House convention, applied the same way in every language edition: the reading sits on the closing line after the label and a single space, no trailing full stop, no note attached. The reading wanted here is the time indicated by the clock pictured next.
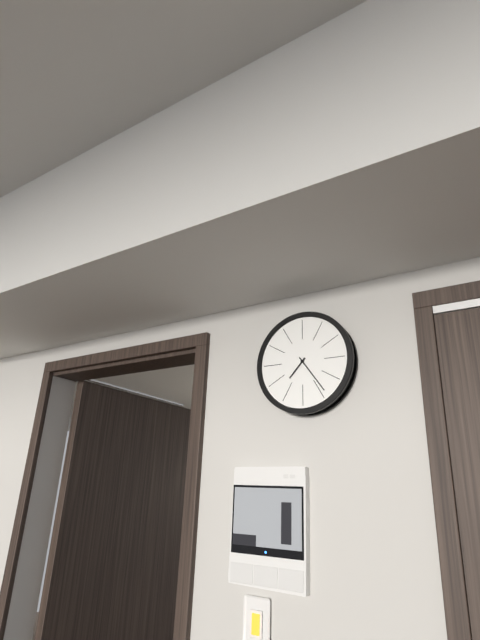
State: 7:24
